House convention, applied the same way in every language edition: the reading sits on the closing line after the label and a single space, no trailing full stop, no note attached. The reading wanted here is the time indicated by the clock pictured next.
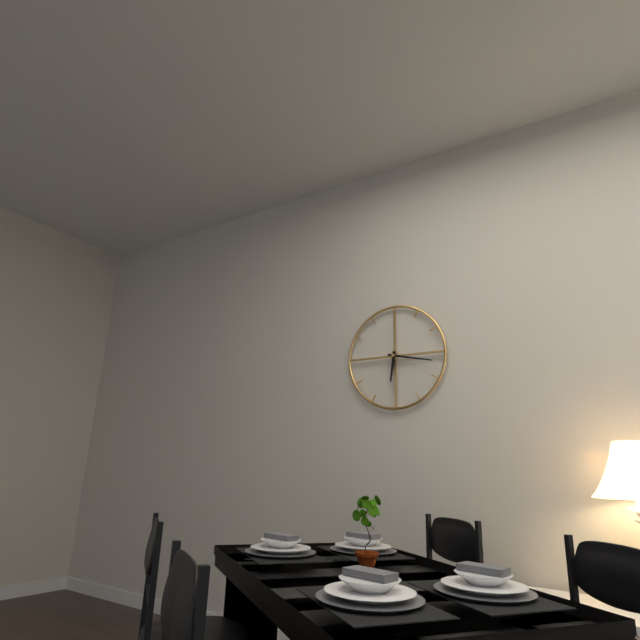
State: 6:17
